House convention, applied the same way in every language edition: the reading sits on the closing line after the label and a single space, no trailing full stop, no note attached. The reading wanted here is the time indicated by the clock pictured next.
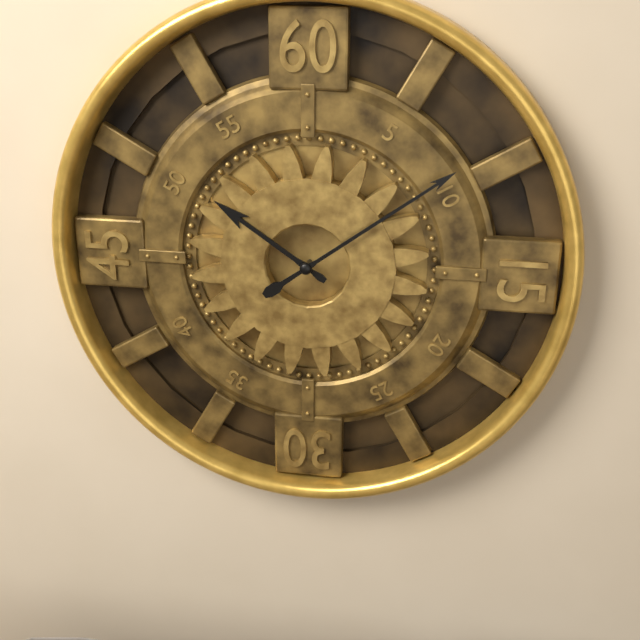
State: 10:09
